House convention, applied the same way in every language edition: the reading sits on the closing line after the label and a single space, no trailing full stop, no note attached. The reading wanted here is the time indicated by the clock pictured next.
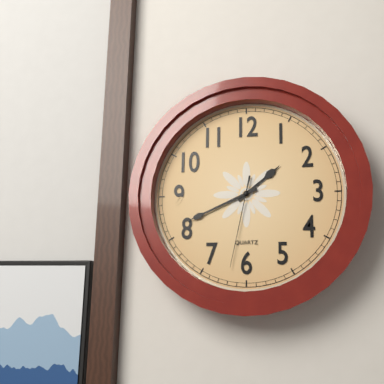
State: 1:41:32
